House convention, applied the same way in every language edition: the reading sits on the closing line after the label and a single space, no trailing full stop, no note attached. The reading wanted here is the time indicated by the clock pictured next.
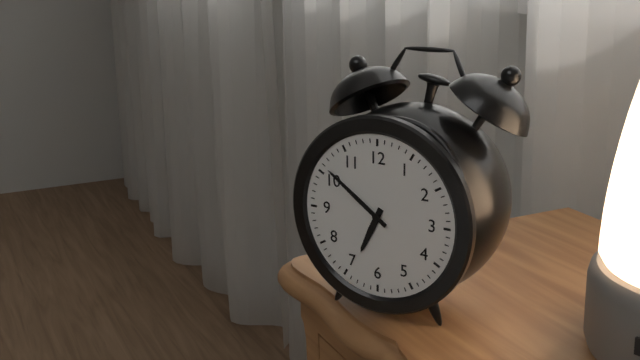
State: 6:51
